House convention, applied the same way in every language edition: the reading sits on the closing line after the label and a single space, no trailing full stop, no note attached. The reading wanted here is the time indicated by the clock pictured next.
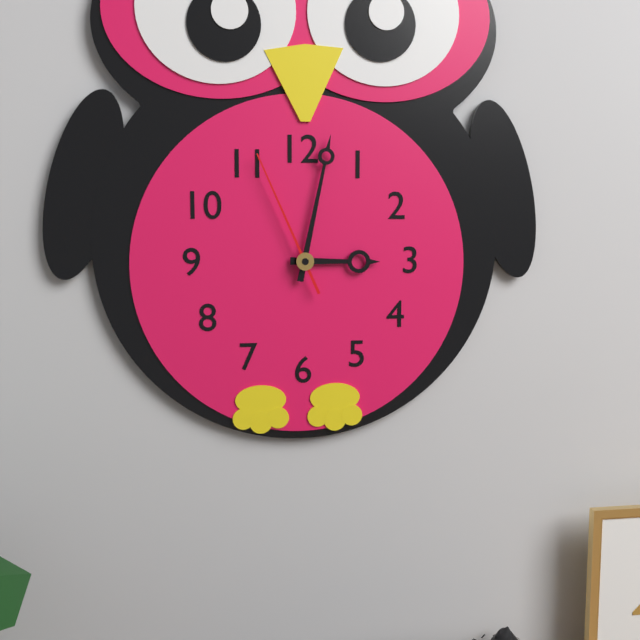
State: 3:02:56
